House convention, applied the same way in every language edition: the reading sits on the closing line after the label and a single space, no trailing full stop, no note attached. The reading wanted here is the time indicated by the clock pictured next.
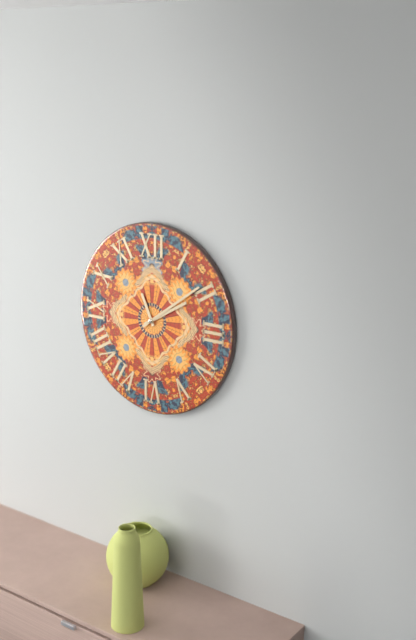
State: 11:10:09
